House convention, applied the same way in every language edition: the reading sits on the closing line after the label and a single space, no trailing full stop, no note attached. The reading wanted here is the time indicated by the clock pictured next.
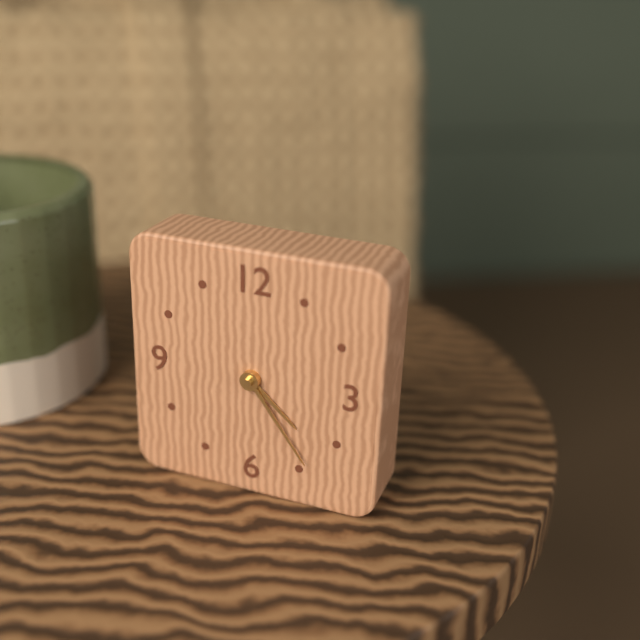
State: 4:24
